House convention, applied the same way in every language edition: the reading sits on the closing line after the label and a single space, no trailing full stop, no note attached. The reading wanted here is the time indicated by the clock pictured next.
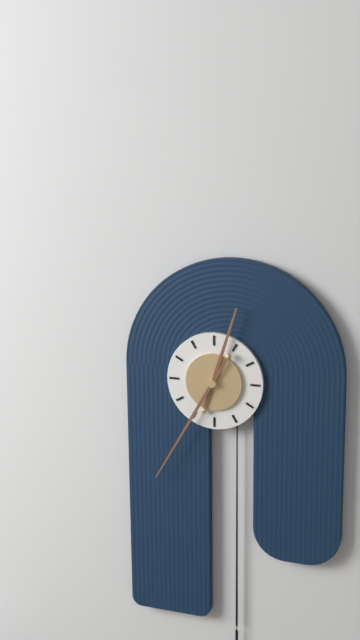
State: 12:35
